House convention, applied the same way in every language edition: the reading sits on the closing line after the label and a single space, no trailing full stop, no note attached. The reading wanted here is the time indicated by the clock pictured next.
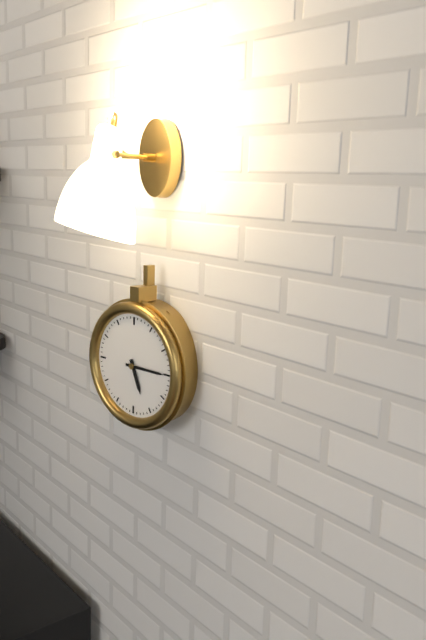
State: 5:15
